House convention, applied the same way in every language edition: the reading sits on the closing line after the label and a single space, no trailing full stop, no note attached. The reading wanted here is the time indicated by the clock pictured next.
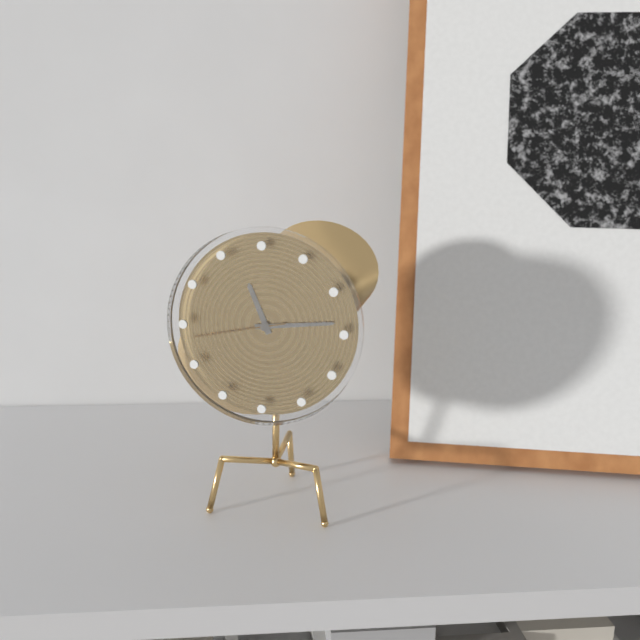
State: 11:14:43
